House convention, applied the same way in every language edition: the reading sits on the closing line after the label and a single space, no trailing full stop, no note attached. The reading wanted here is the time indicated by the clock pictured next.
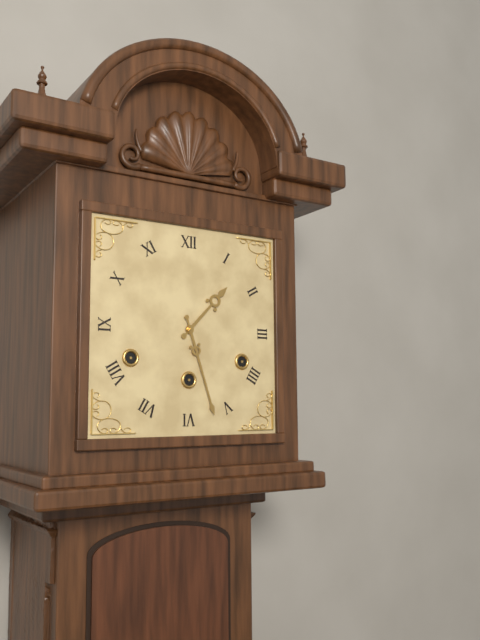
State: 1:27
